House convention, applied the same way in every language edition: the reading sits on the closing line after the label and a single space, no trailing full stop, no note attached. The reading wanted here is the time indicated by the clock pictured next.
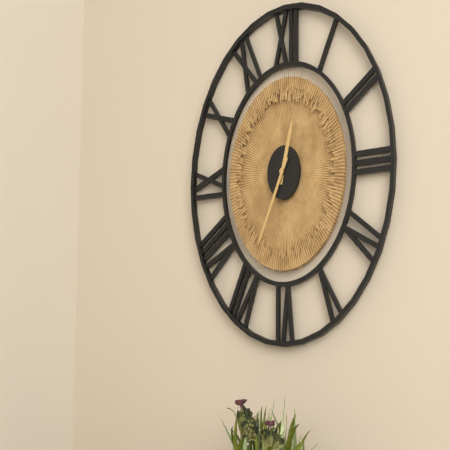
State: 12:35
